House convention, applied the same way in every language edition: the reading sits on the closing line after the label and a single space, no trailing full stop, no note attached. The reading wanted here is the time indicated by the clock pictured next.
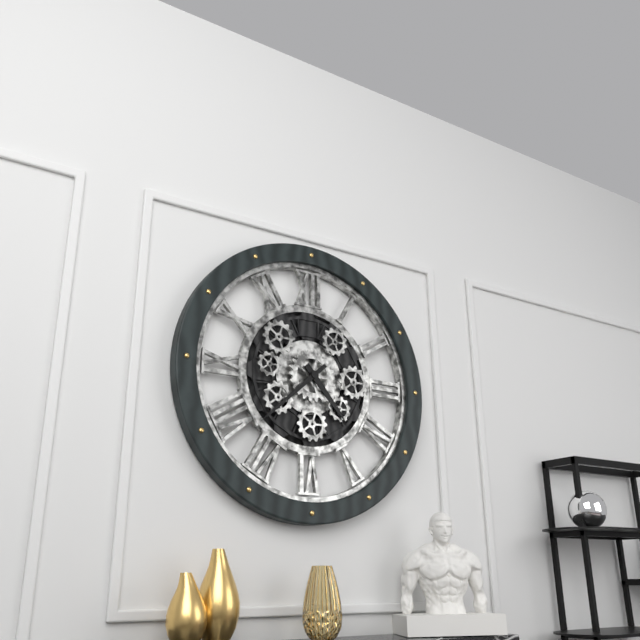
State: 4:38
